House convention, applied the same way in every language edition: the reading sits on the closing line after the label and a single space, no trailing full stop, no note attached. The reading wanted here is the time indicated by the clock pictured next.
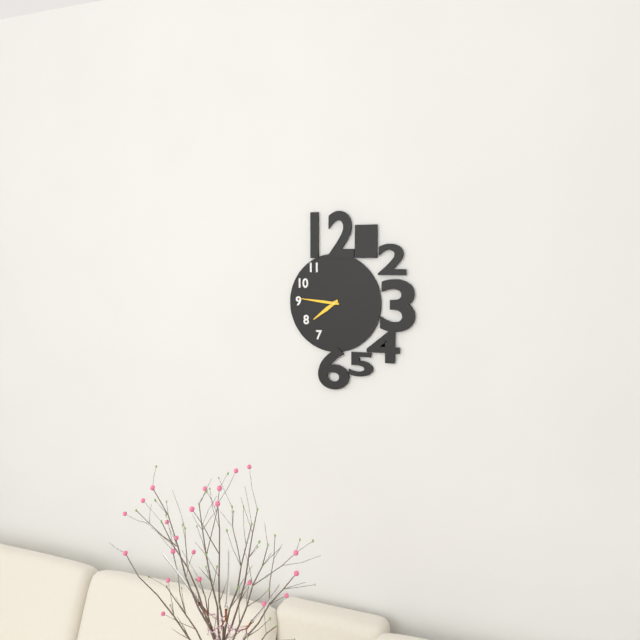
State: 7:46
